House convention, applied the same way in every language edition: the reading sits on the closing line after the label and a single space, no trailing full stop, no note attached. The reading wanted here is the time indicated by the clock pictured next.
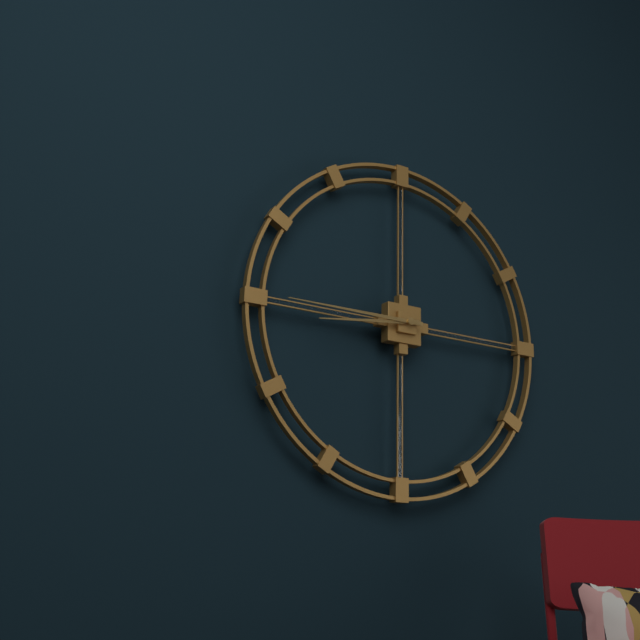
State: 8:45
